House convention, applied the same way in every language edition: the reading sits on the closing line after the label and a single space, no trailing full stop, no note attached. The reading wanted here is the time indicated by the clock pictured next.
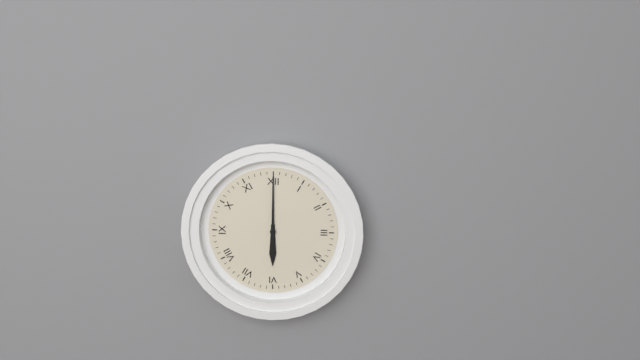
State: 6:00
